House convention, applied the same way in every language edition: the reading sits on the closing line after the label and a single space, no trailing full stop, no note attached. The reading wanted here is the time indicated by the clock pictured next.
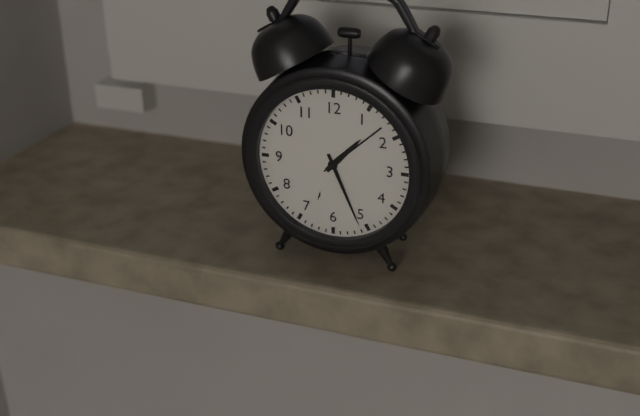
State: 1:26
